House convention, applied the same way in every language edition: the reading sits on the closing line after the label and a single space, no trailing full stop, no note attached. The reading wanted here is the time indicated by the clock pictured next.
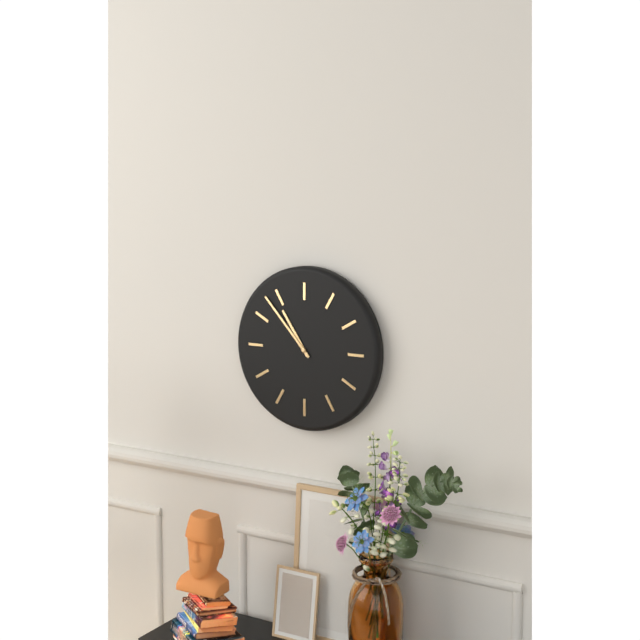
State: 10:53
